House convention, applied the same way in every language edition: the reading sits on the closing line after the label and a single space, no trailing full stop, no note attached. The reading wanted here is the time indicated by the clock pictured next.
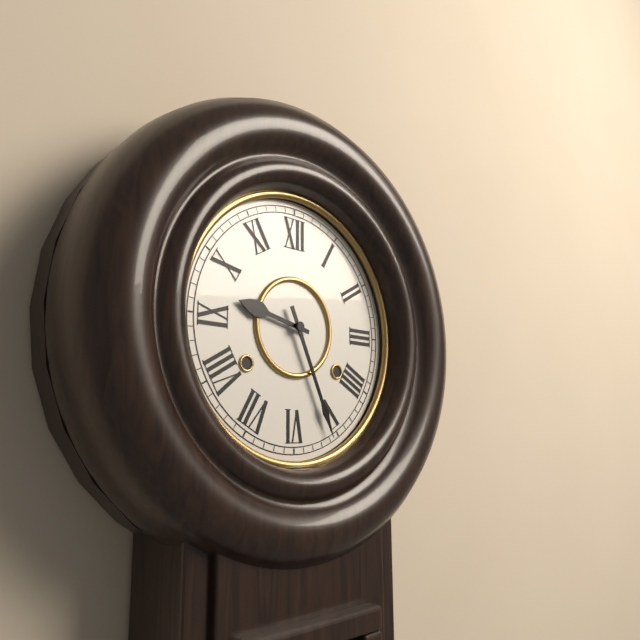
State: 9:26
